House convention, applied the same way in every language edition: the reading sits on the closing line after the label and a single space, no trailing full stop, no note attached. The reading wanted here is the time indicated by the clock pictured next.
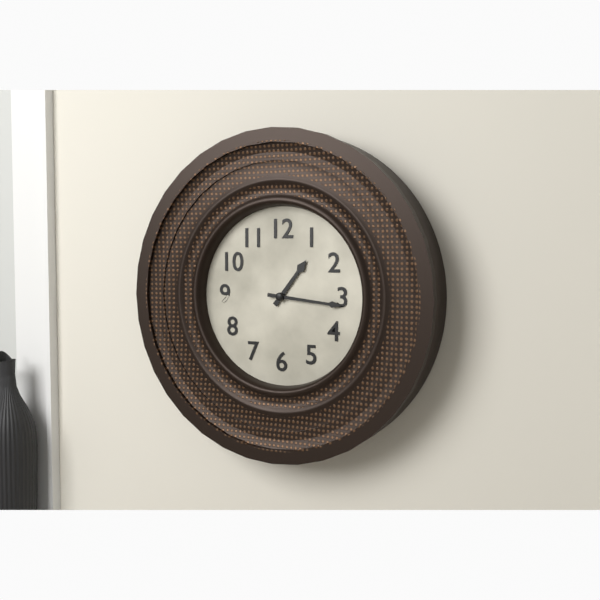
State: 1:16
